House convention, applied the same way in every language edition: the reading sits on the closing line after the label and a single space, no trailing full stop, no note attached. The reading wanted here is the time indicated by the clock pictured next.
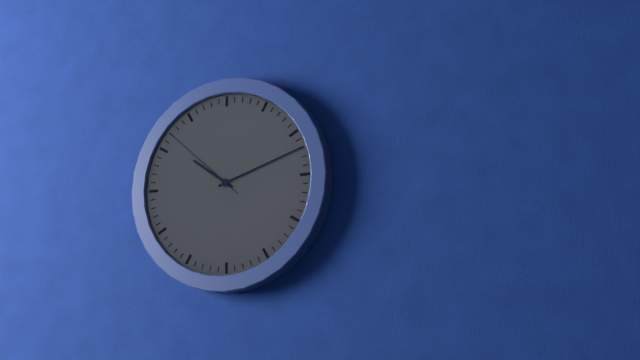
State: 10:12:52
